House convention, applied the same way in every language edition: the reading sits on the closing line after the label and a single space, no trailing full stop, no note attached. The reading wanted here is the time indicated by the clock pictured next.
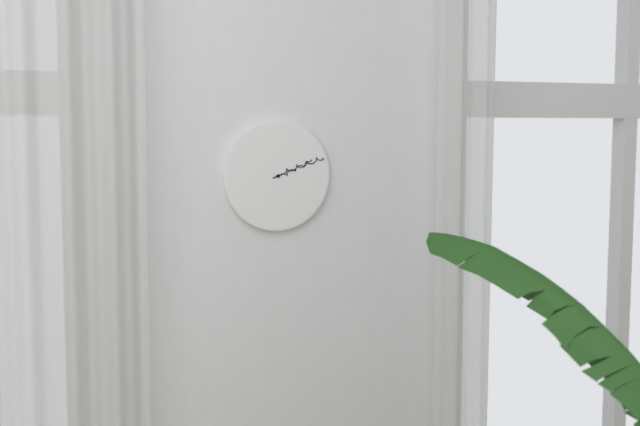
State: 2:12
